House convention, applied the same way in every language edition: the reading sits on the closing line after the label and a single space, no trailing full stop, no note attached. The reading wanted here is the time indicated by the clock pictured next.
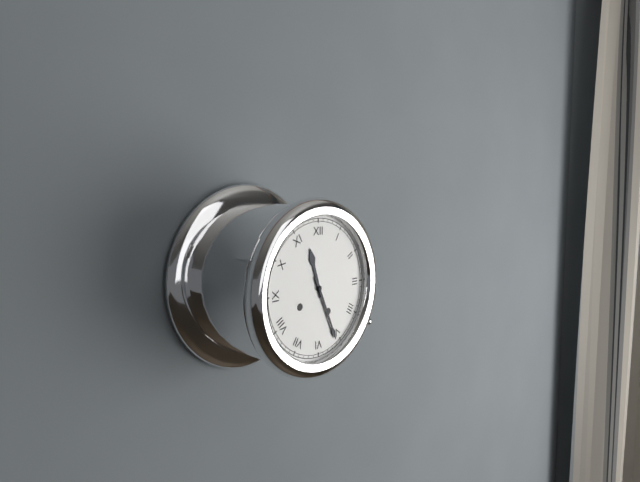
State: 11:26
